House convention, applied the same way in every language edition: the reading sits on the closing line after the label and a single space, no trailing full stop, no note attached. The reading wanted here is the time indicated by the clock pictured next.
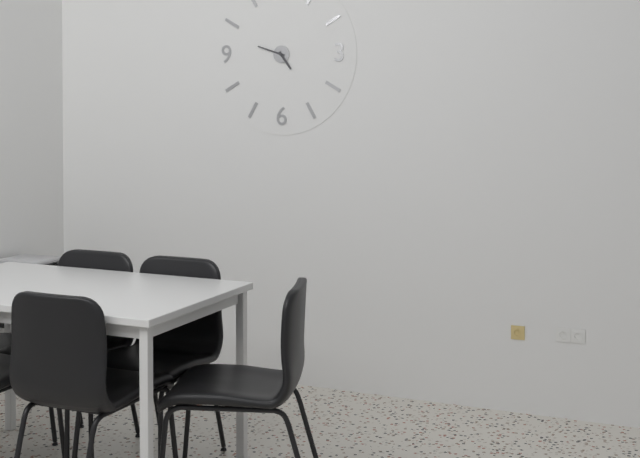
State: 4:48
